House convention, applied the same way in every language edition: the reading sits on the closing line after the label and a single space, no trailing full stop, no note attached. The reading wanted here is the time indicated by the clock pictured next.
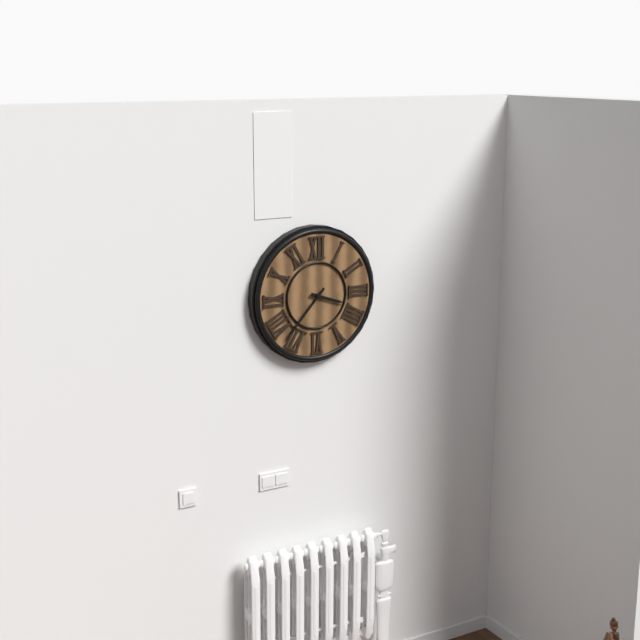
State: 3:37
